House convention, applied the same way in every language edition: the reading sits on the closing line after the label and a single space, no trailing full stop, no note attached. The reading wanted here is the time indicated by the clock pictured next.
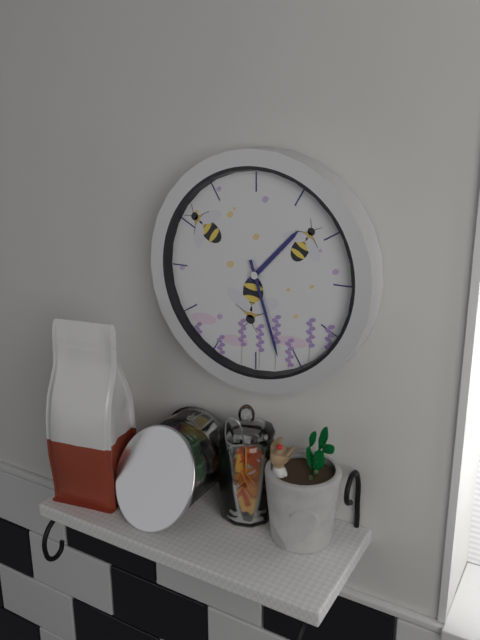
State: 1:27
